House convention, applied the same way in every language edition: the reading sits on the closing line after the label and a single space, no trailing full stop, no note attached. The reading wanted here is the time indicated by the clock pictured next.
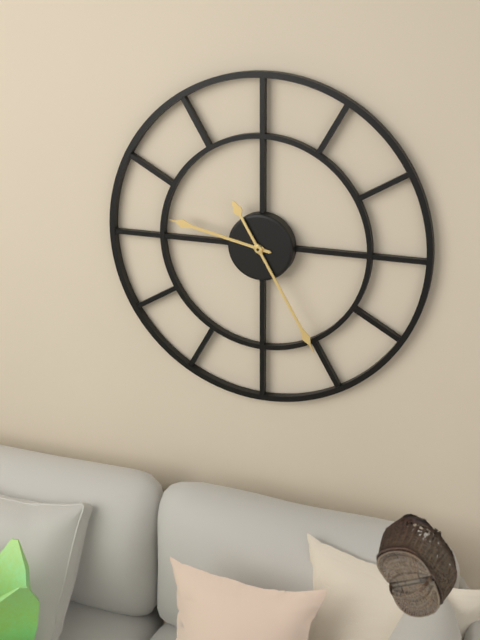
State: 9:25
